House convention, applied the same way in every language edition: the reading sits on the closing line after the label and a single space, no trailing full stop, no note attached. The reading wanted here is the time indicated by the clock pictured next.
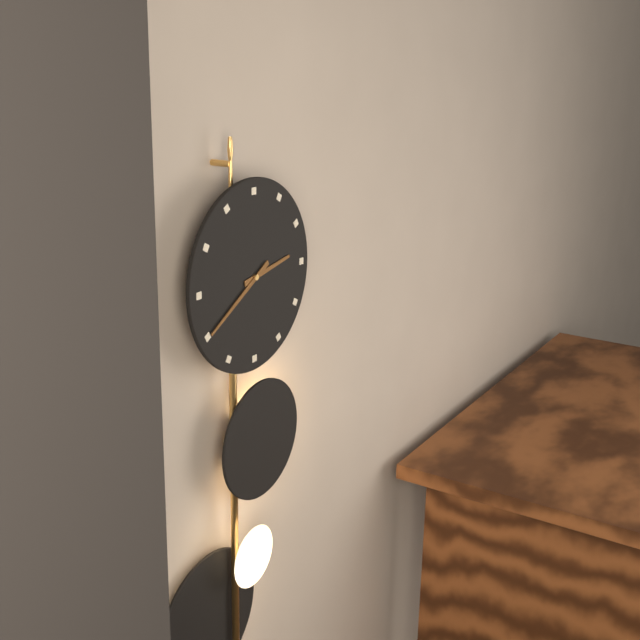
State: 2:40
